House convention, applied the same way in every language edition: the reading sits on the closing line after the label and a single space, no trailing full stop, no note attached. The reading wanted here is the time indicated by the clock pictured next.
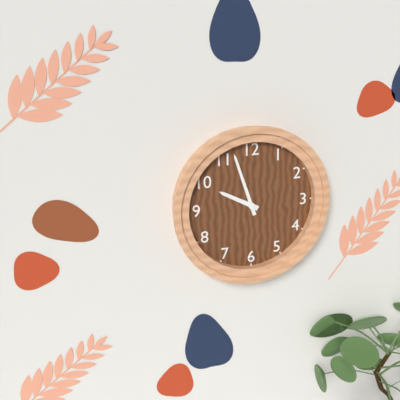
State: 9:57
